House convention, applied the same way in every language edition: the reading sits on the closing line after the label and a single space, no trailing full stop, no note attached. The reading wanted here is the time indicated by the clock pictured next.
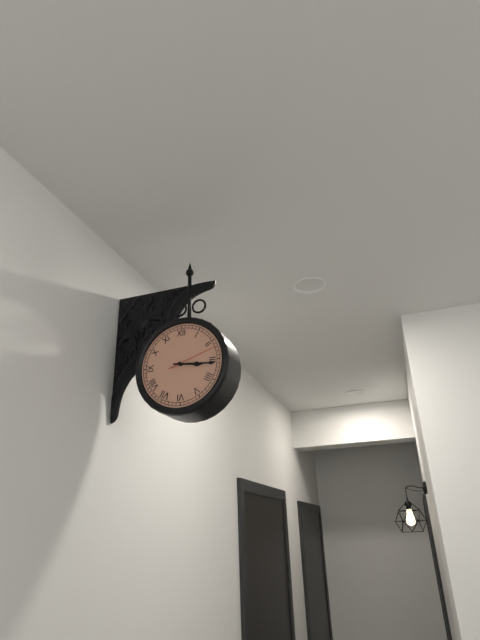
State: 3:16
